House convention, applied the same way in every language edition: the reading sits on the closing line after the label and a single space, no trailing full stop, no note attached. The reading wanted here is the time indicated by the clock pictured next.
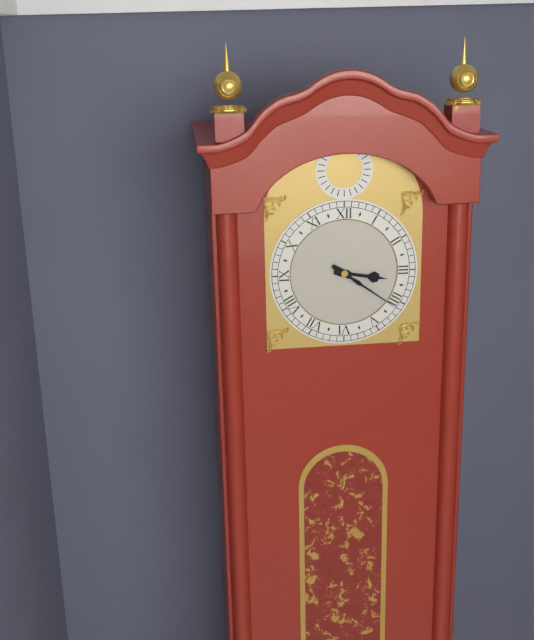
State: 3:21
